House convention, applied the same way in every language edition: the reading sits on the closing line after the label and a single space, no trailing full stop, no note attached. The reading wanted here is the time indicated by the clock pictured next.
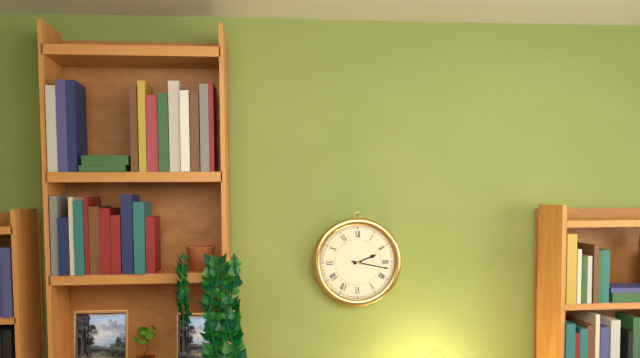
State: 2:17
